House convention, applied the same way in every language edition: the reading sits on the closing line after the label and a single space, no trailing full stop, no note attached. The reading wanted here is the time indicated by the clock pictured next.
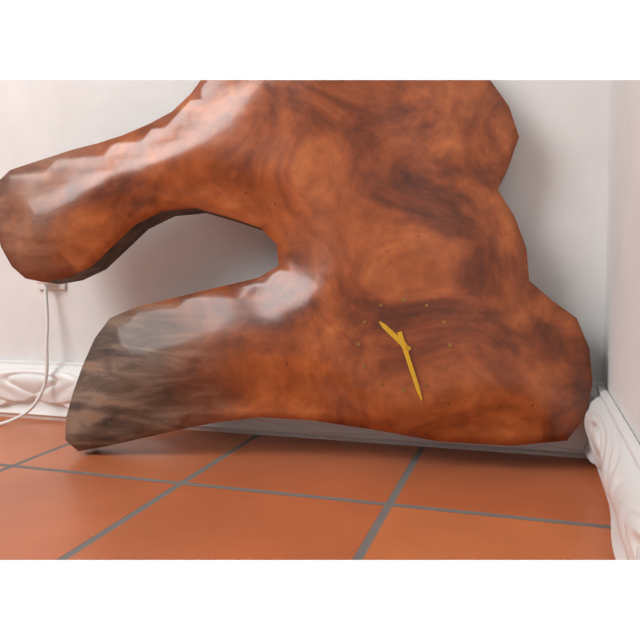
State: 10:27
